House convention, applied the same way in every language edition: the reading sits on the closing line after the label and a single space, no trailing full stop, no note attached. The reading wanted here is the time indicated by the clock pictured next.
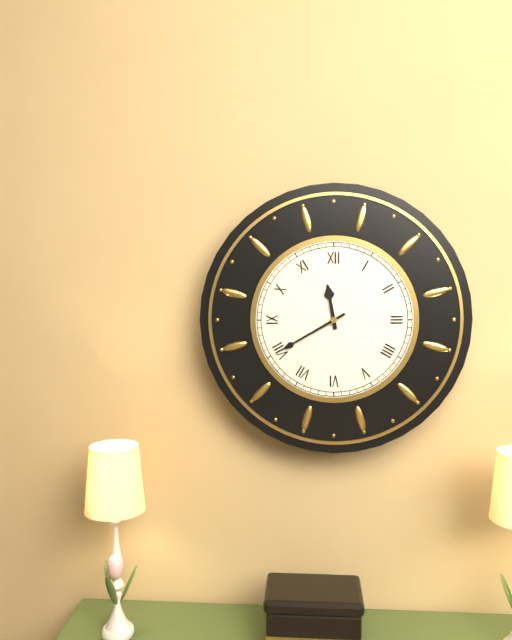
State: 11:40
